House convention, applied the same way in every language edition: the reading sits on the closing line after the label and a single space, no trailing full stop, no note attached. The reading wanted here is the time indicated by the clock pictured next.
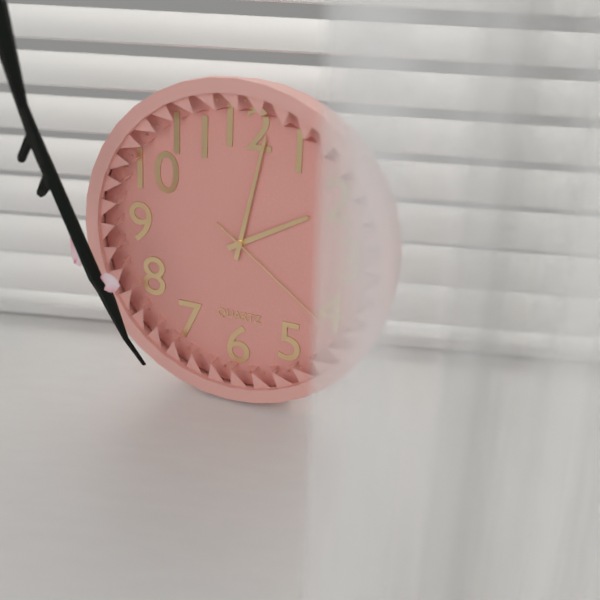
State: 2:02:21
